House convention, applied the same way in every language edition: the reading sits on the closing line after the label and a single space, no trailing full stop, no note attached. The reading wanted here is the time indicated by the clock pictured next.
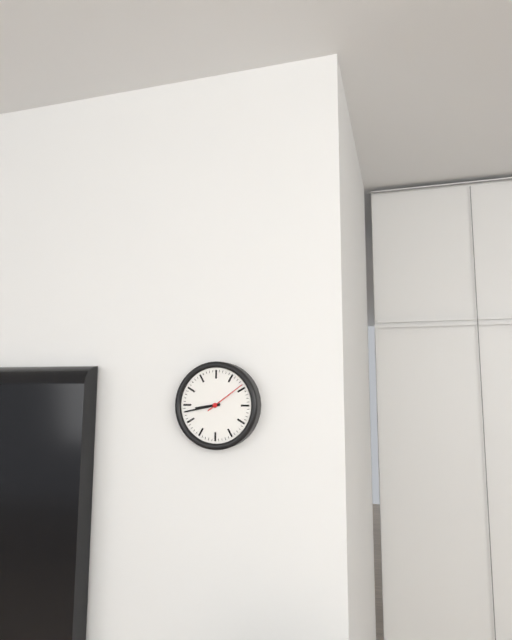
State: 8:43
